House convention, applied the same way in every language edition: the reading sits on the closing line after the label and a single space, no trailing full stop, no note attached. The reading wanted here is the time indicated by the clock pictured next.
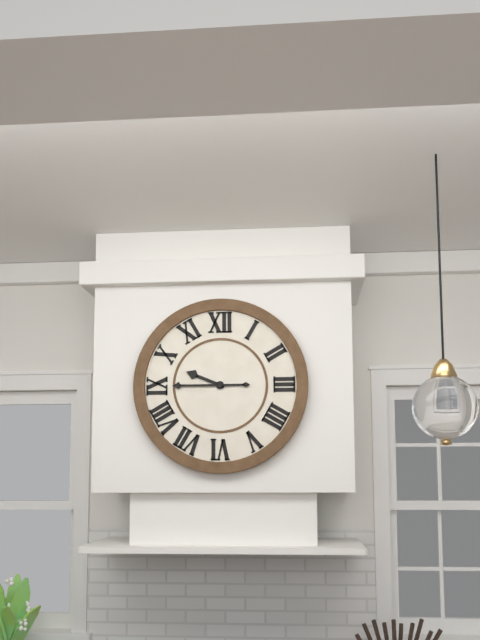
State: 9:45
